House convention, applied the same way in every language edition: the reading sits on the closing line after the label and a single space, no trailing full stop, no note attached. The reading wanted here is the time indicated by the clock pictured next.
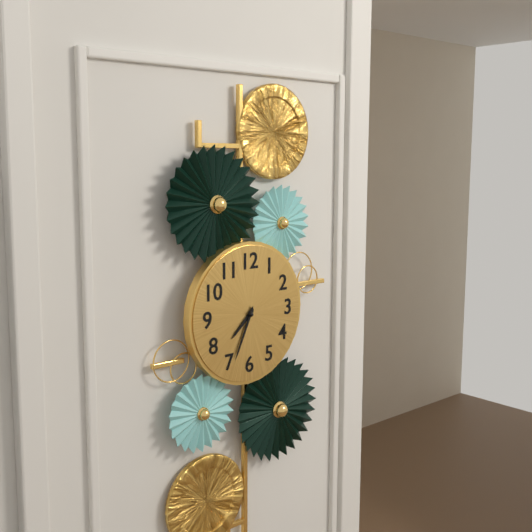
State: 7:34
